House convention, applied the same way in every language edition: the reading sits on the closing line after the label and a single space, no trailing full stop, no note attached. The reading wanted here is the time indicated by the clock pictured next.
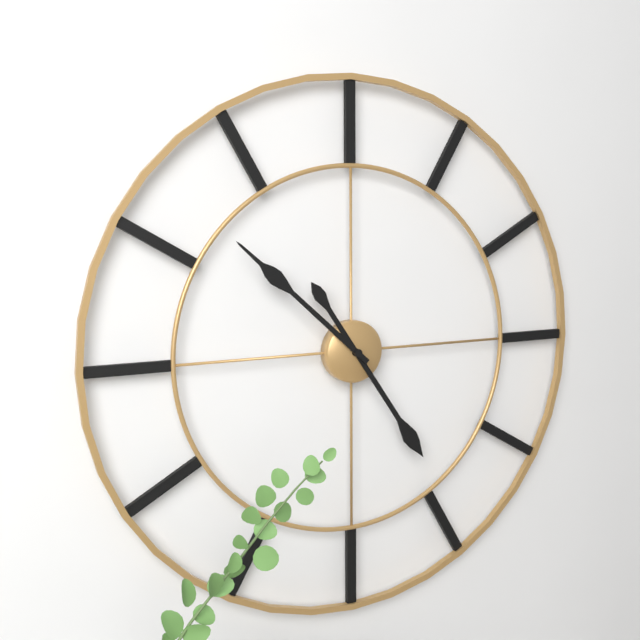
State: 4:52
